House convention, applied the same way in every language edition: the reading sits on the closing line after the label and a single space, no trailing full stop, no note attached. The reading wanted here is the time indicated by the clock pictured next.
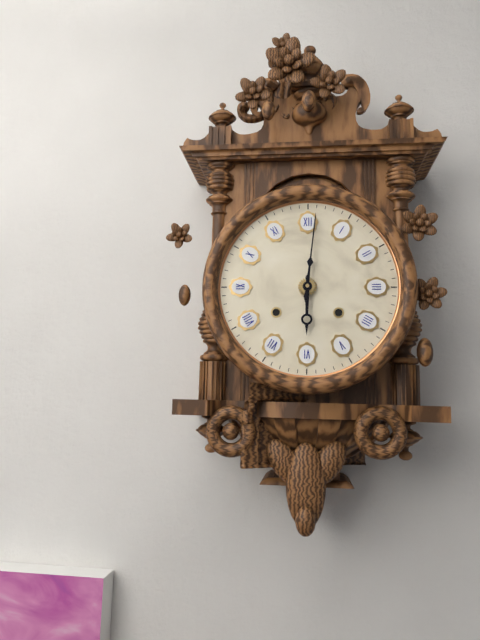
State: 6:01
